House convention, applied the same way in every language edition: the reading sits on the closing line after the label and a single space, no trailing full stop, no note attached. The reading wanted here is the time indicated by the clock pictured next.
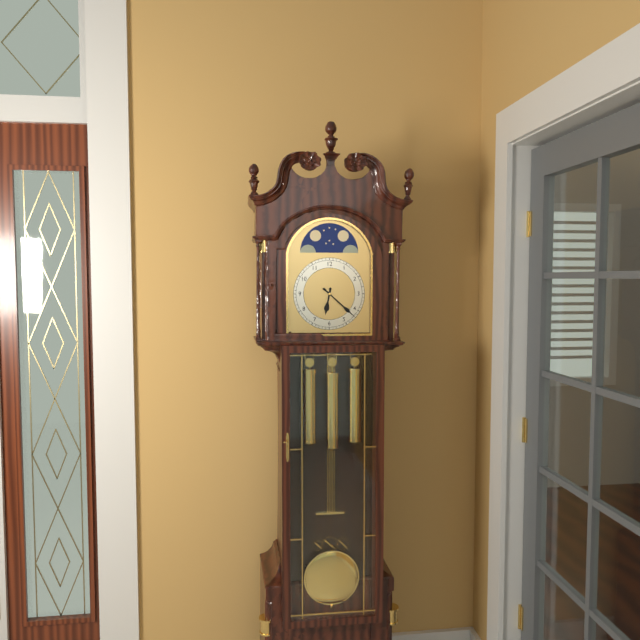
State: 6:22
